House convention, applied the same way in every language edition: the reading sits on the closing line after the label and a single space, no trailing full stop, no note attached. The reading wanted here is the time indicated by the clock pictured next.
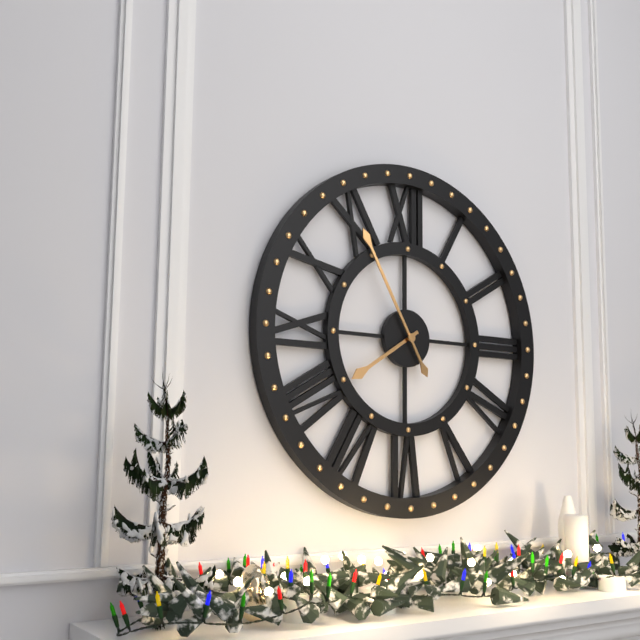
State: 7:55
